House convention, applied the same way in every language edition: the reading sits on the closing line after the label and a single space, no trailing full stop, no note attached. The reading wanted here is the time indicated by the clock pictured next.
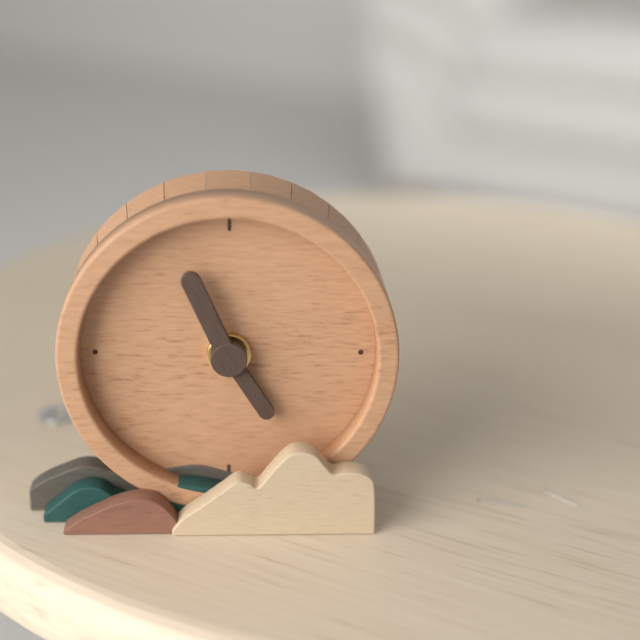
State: 4:56
